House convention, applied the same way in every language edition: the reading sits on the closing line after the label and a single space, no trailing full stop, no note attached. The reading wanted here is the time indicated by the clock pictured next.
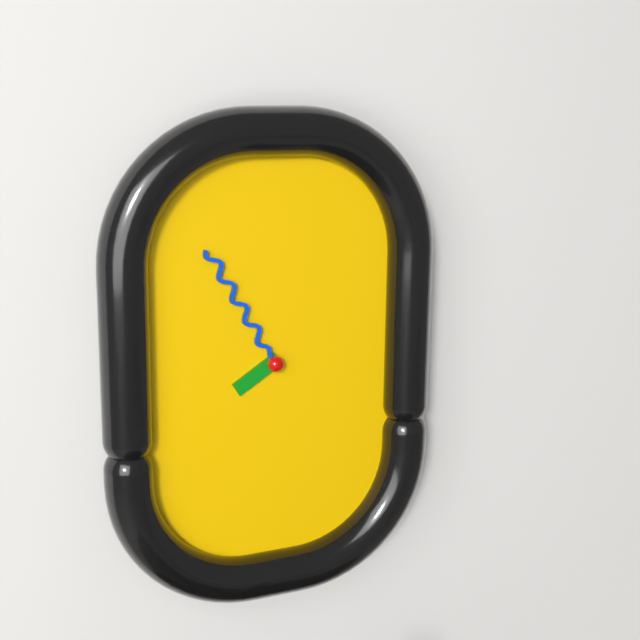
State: 7:55
